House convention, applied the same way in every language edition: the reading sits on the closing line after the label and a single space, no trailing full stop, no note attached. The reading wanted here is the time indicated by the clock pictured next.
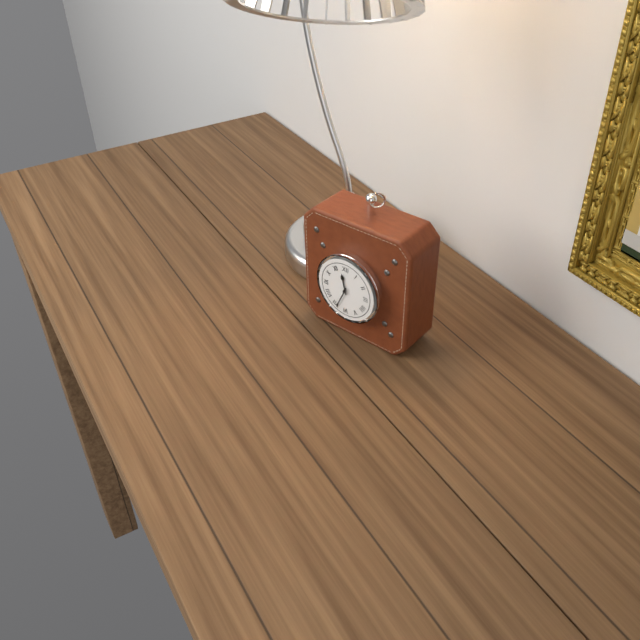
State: 11:34
